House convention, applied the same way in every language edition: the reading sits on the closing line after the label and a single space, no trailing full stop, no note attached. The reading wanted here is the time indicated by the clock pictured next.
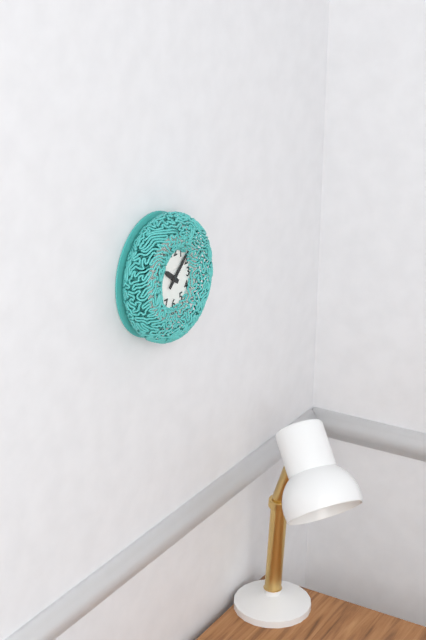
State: 10:08
